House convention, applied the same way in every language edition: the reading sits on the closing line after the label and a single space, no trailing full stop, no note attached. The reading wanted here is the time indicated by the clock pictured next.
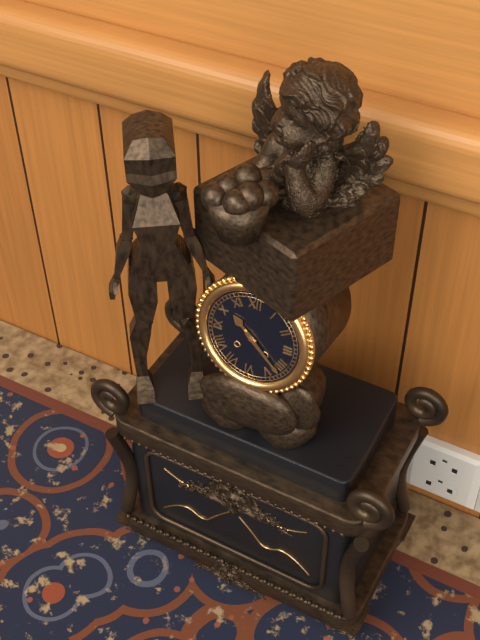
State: 10:22
